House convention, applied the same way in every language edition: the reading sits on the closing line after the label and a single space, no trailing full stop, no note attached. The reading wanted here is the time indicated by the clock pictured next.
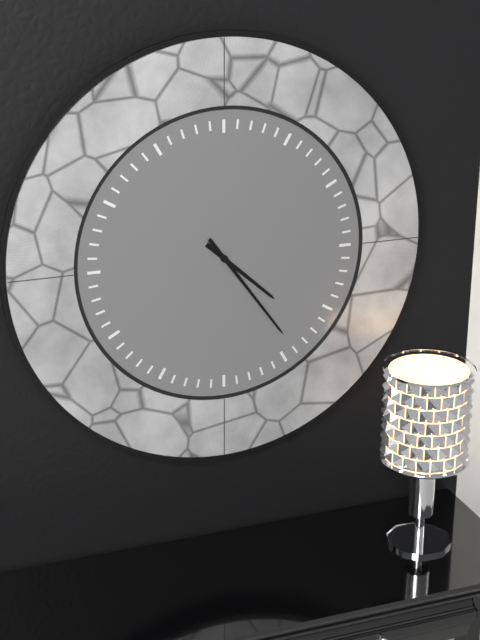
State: 4:24
